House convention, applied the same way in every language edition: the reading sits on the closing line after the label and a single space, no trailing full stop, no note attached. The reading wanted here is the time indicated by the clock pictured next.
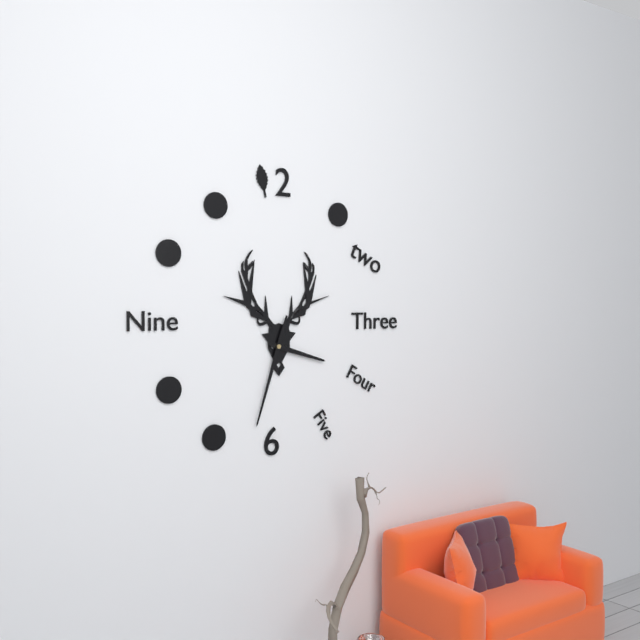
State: 3:33
